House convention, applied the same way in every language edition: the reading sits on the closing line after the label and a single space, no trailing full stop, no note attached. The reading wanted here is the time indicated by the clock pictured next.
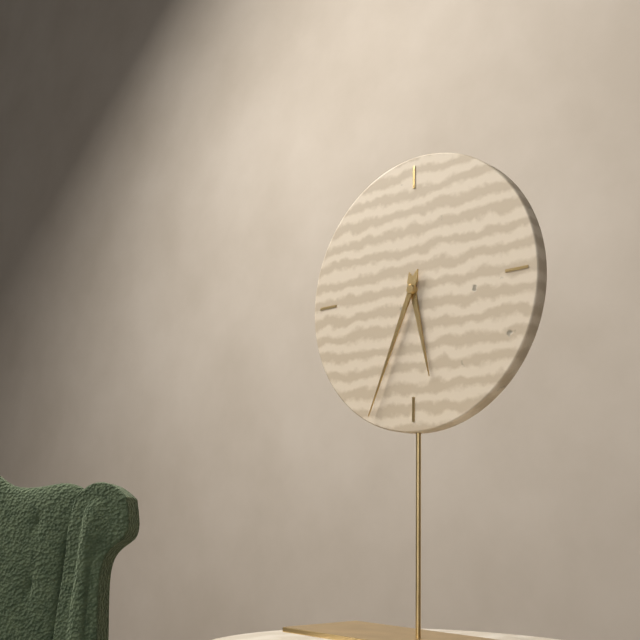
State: 5:34
